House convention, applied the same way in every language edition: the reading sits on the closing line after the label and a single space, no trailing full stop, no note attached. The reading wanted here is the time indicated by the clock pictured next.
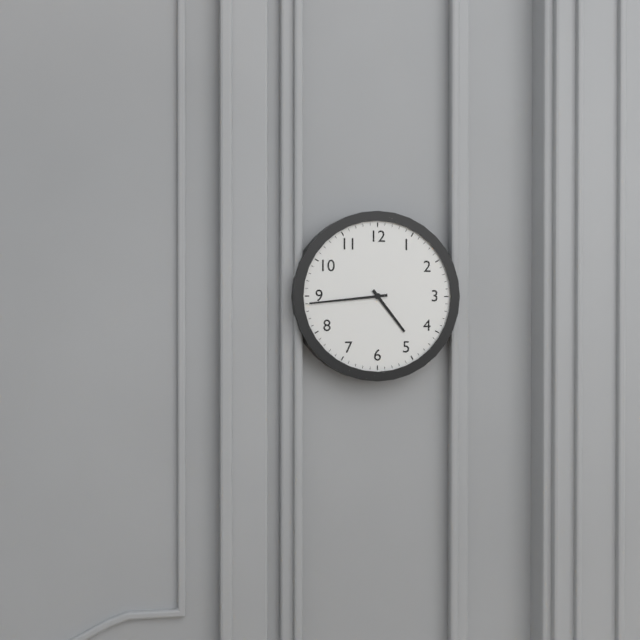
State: 4:44
